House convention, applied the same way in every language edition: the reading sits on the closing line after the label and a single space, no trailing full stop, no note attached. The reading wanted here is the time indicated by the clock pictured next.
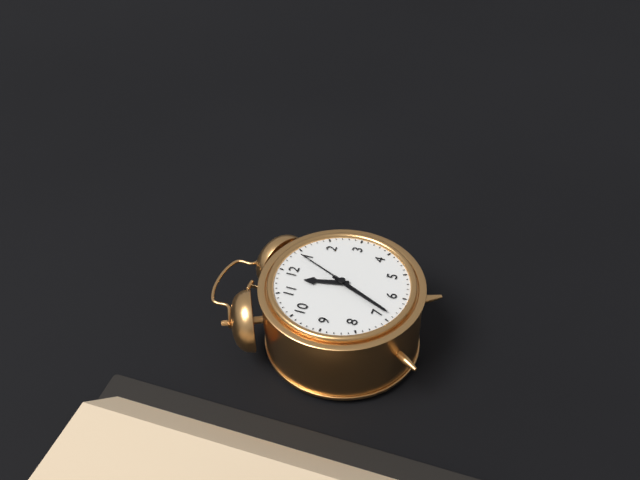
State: 11:34:04
